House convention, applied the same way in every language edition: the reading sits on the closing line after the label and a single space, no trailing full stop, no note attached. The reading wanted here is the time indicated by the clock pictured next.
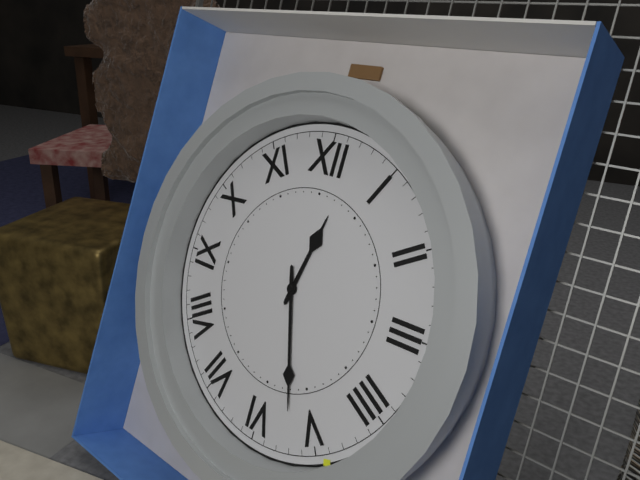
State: 12:27
